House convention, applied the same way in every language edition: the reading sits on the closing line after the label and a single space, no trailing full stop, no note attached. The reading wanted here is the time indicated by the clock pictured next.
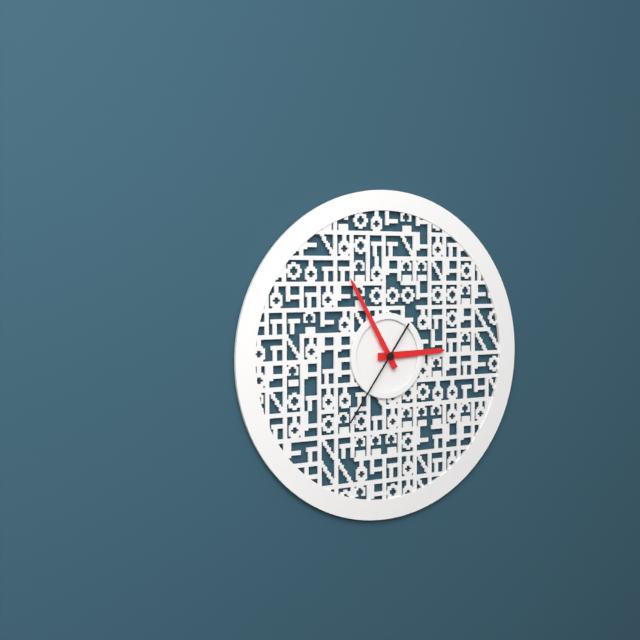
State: 2:55:36
